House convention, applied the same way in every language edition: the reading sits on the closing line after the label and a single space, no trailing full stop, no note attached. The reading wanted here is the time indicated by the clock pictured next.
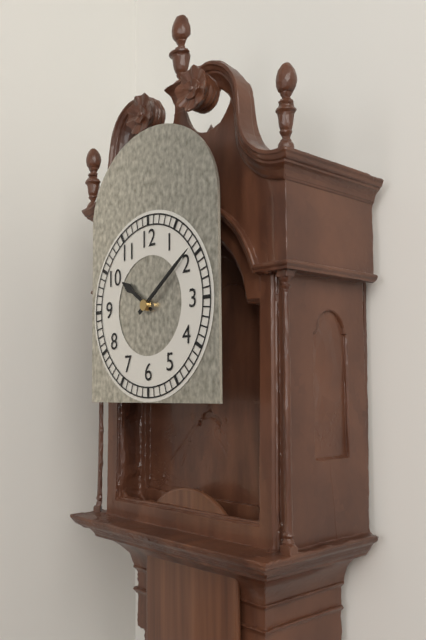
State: 10:09
